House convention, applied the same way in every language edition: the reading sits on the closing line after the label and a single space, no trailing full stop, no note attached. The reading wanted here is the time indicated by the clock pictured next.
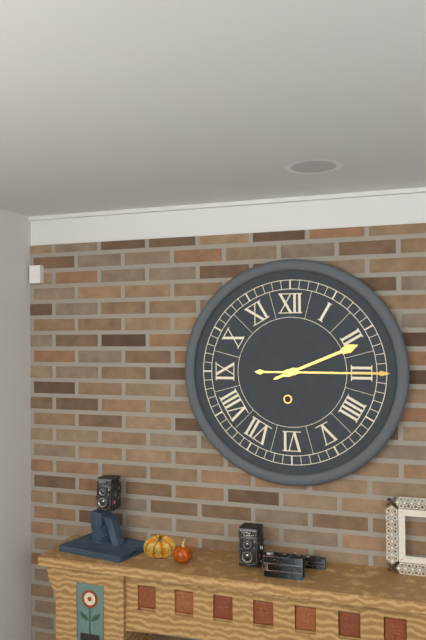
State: 2:15
